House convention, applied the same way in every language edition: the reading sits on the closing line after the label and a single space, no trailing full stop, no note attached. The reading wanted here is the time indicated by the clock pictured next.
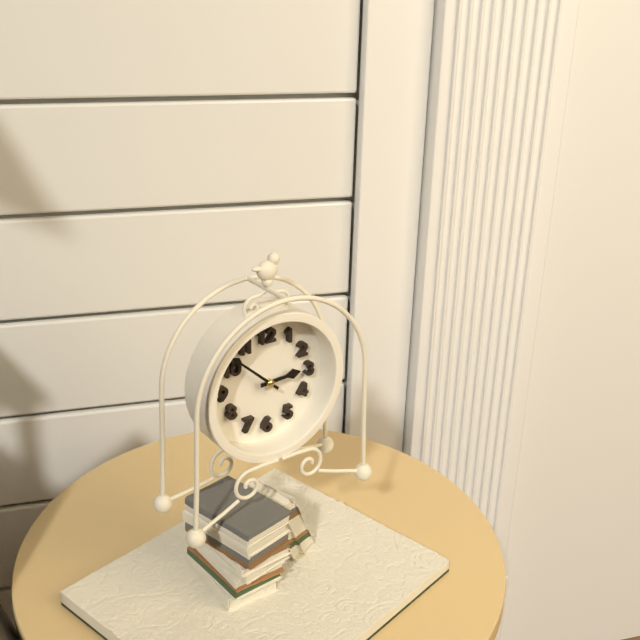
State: 2:52
